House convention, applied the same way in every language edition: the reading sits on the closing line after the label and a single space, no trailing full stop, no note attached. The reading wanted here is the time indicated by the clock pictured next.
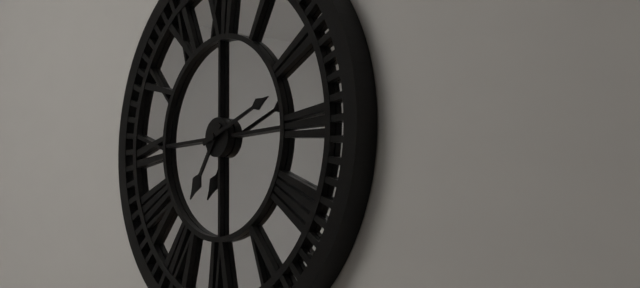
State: 7:12
